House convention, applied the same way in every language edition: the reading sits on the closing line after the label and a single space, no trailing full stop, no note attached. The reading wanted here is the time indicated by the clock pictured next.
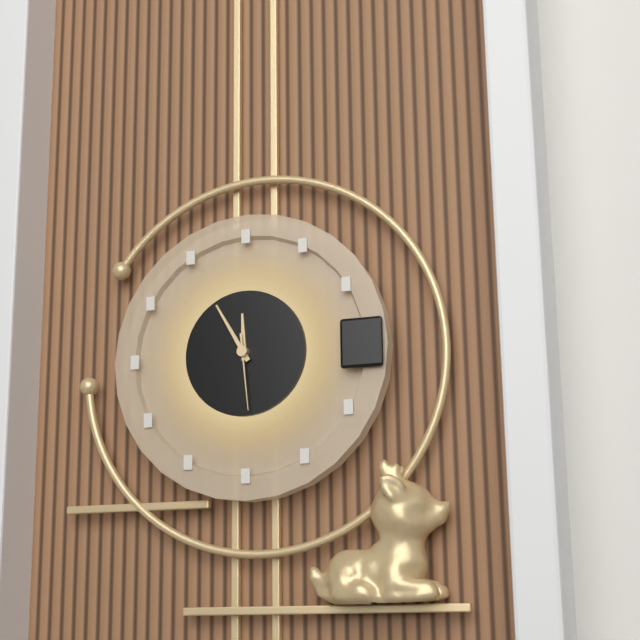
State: 11:55:29
